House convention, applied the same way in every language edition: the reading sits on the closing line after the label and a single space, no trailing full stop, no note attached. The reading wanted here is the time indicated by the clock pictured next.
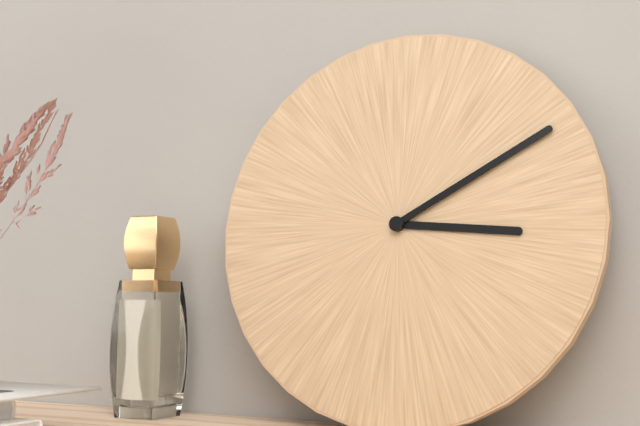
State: 3:10
